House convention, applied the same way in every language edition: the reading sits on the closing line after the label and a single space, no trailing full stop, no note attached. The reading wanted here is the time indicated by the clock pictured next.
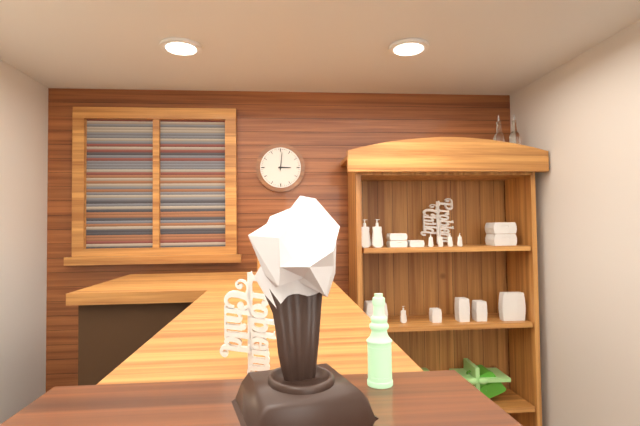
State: 3:01
